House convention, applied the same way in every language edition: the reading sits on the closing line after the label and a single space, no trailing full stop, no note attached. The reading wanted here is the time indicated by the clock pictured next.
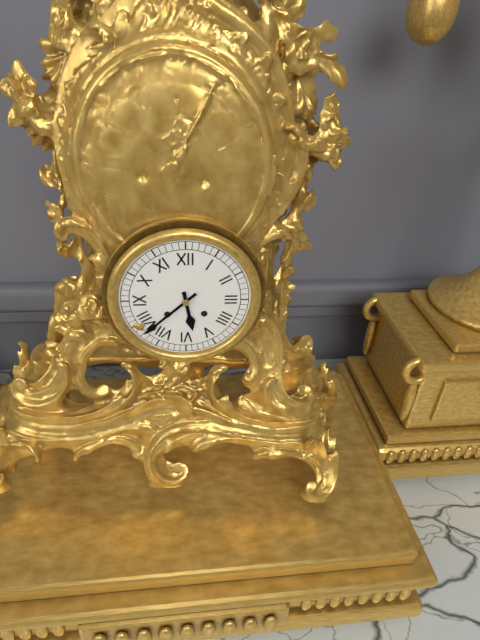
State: 5:38
